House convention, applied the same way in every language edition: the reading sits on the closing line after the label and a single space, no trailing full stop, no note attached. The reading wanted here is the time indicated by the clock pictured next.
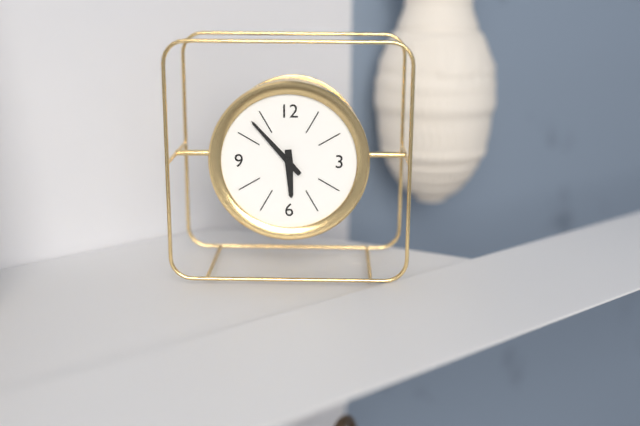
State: 5:53
